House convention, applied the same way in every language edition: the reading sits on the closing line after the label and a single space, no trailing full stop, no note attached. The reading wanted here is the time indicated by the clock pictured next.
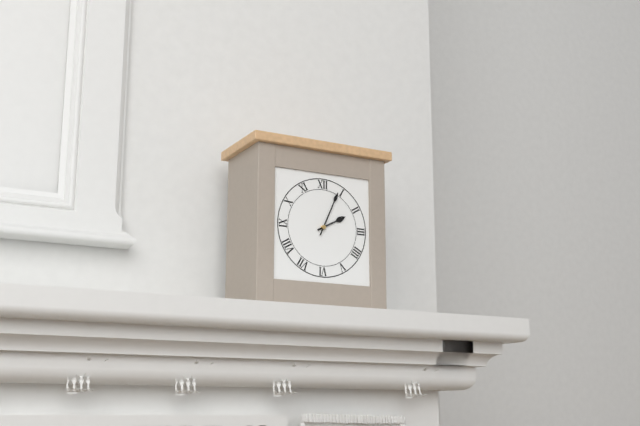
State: 2:04
